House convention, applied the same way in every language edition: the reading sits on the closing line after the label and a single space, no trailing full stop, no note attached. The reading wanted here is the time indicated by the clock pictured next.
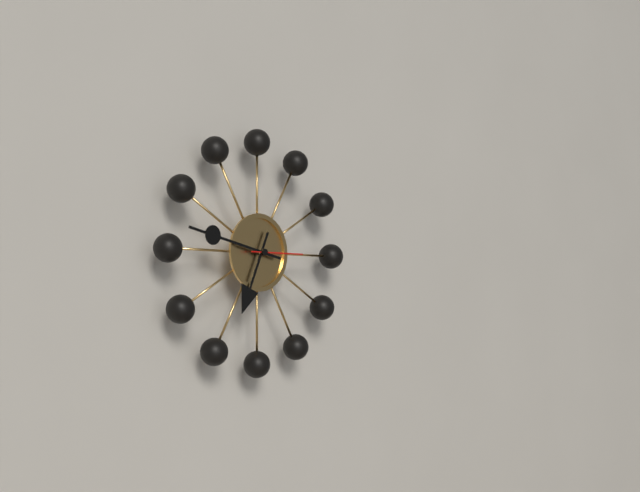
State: 6:47
